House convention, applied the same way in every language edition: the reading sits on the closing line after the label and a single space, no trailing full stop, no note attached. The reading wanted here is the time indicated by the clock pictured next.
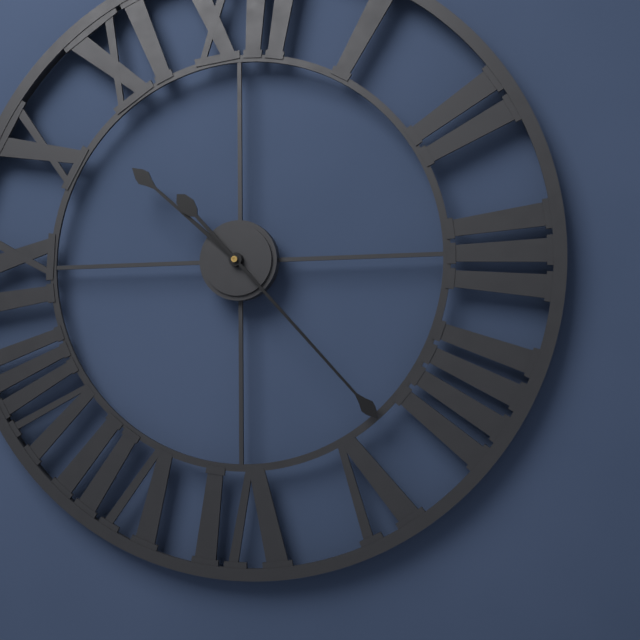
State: 10:23
